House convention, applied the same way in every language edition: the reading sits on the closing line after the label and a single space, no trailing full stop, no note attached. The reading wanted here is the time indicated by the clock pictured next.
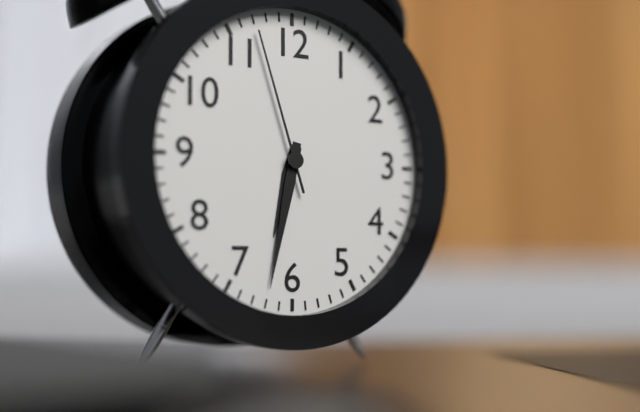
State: 6:32:57
